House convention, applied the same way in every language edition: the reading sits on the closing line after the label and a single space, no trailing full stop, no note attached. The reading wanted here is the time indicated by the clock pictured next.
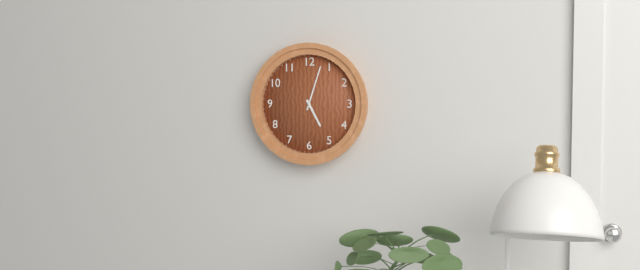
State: 5:03
